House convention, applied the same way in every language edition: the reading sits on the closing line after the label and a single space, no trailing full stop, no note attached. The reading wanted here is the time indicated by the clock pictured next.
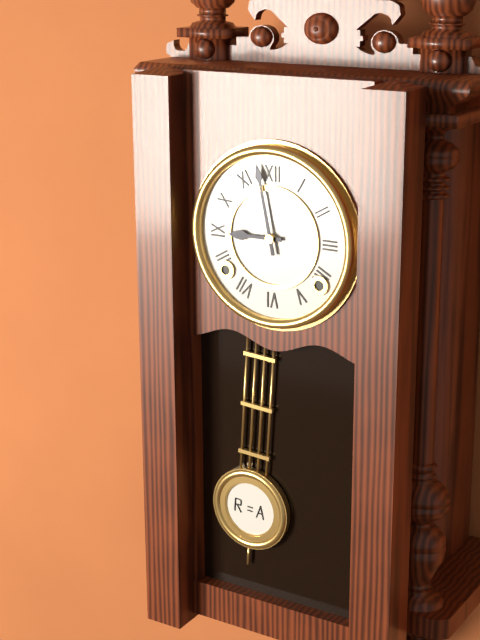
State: 8:58
